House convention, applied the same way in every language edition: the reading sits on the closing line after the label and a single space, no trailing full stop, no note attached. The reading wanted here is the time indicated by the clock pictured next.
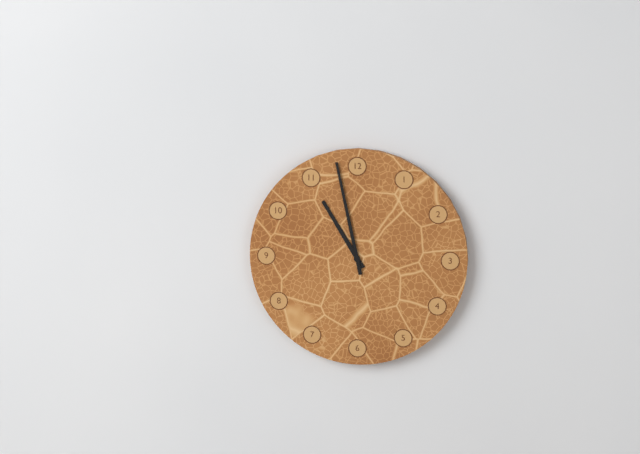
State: 10:58
